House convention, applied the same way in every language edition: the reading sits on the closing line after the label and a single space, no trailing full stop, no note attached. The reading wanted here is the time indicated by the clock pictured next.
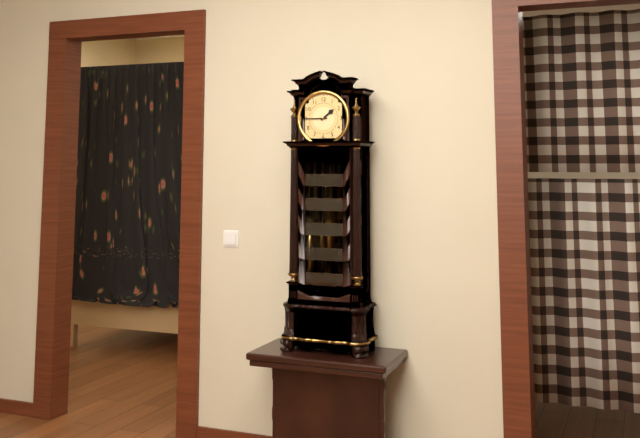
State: 1:45
